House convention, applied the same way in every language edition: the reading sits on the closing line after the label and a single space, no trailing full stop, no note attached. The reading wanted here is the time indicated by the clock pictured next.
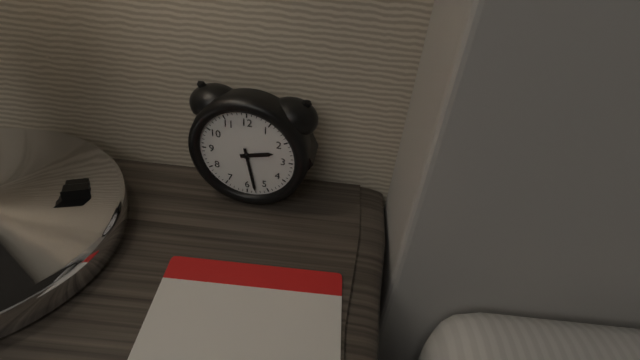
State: 2:28
